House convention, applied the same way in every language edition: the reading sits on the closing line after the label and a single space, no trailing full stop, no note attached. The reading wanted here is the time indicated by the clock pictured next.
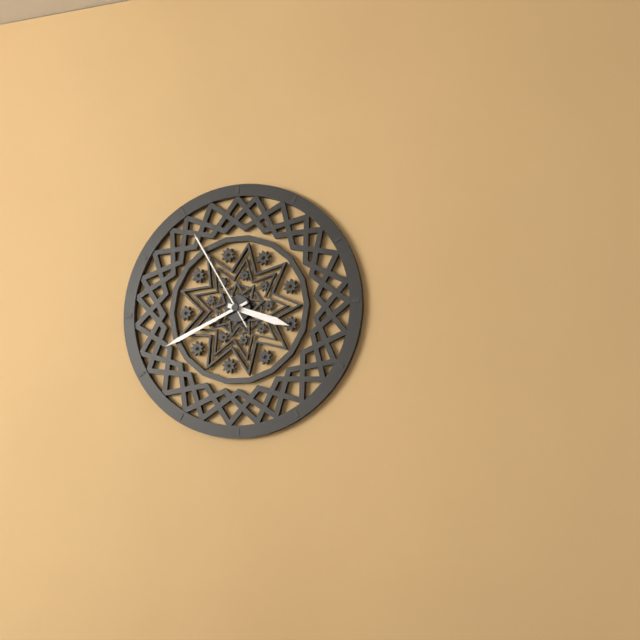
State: 3:41:55
